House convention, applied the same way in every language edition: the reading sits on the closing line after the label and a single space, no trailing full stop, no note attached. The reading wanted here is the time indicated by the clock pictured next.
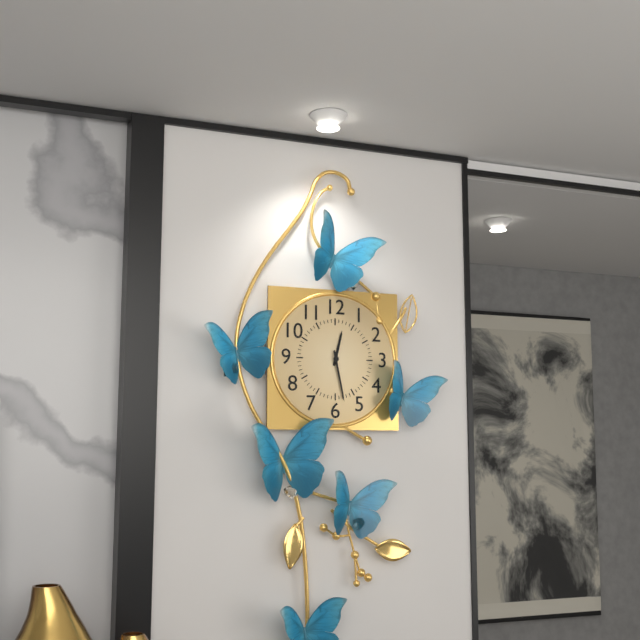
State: 12:28
